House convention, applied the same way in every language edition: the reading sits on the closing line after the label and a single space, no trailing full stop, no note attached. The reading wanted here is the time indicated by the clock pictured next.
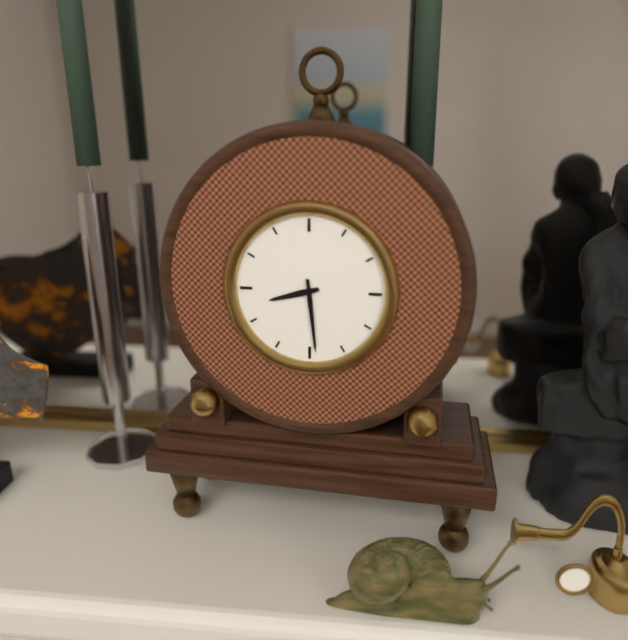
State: 8:29
